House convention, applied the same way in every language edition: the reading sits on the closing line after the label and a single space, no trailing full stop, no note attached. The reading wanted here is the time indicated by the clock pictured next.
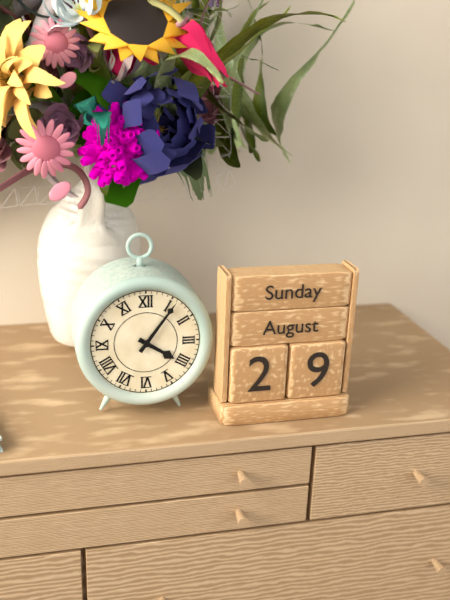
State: 4:06
